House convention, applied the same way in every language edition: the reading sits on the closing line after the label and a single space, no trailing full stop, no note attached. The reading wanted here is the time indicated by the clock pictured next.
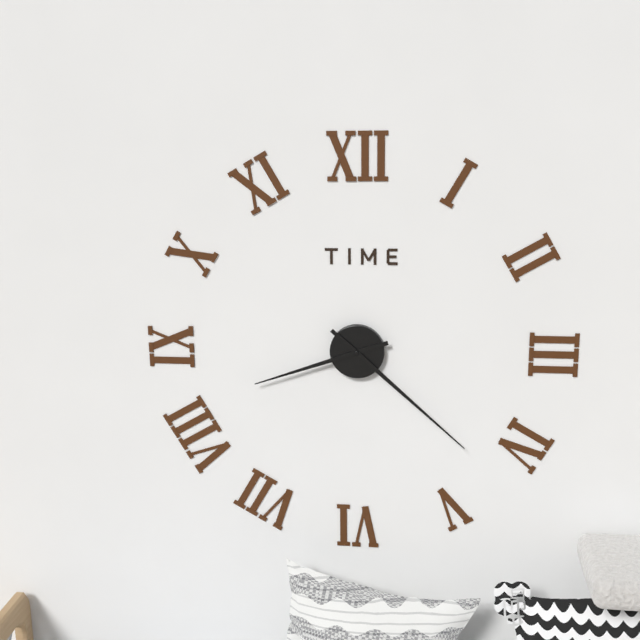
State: 8:22
